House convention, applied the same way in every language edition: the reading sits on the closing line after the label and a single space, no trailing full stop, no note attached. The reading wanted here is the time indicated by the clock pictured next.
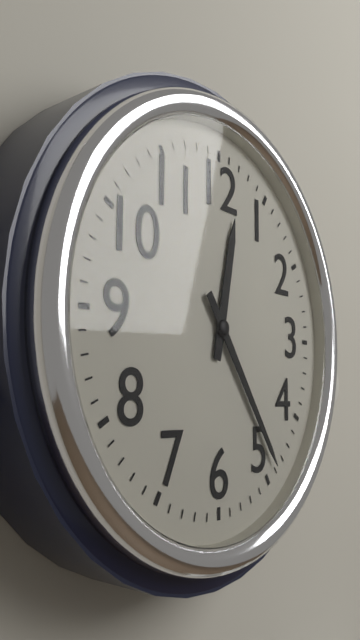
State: 12:24
